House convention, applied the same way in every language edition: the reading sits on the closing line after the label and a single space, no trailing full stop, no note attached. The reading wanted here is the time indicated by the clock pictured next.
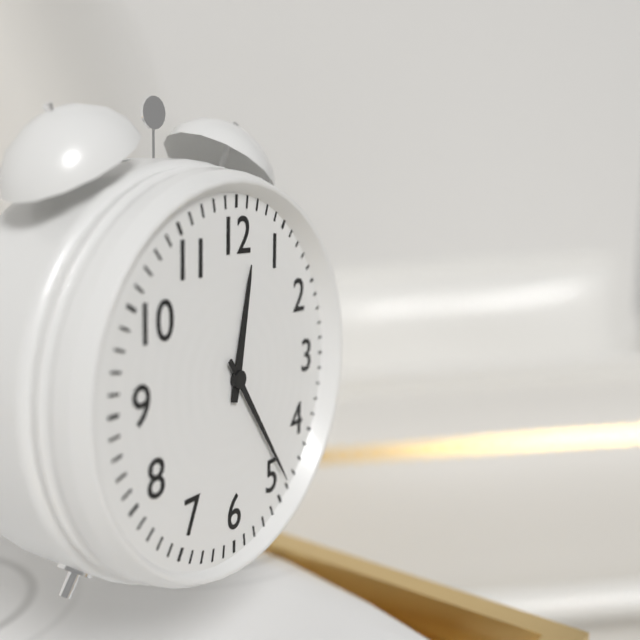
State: 12:24
